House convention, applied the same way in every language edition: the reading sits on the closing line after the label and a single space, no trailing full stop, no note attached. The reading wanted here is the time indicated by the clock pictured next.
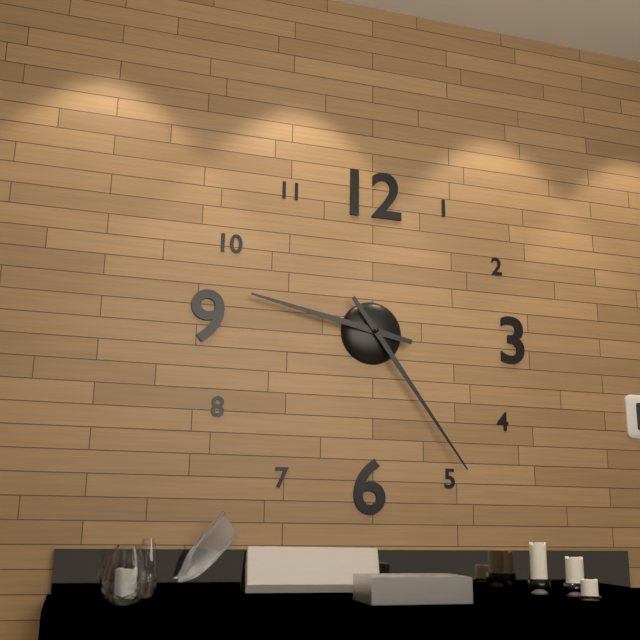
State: 9:24
